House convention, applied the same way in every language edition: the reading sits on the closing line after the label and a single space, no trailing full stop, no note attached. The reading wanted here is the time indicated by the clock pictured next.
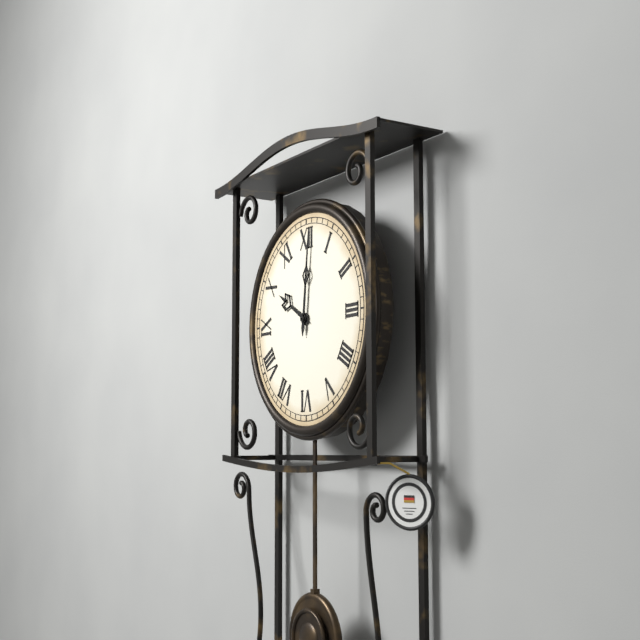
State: 10:01
